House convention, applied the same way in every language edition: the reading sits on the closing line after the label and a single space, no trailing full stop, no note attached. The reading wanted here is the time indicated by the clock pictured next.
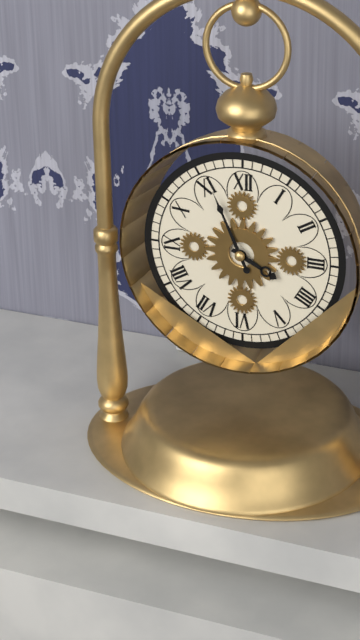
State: 3:56
